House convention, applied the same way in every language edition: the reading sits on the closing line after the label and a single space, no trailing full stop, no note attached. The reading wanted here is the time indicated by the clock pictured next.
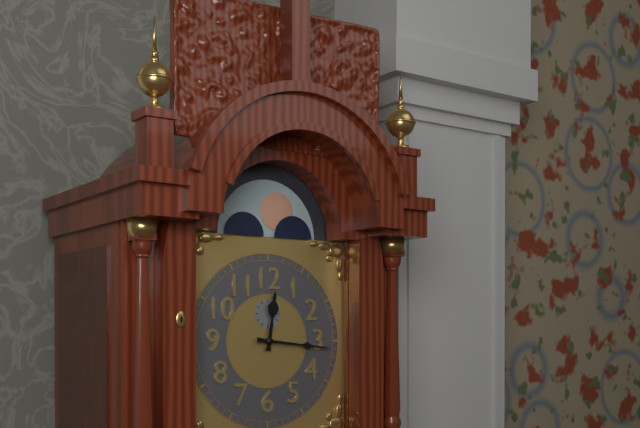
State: 12:16
